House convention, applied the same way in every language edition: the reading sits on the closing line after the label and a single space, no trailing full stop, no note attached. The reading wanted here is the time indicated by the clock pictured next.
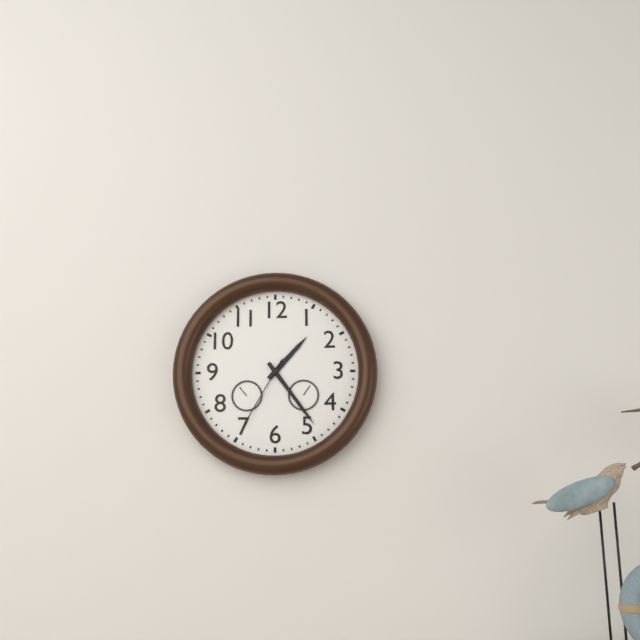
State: 1:24:35
